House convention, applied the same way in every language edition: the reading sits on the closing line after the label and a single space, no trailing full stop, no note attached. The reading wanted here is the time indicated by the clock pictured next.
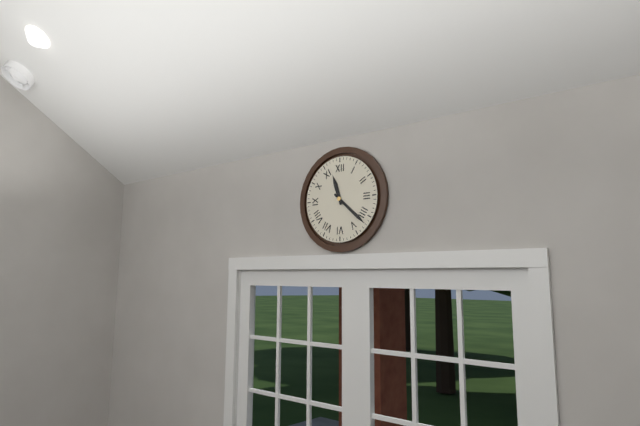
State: 11:22
